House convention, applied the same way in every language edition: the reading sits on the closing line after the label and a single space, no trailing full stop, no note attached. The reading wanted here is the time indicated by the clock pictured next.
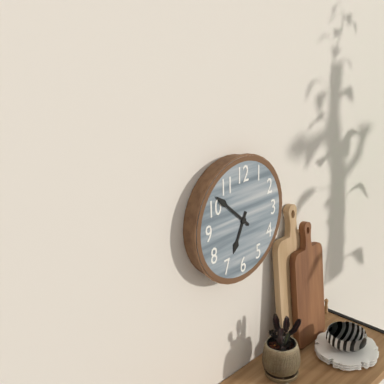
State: 6:52
